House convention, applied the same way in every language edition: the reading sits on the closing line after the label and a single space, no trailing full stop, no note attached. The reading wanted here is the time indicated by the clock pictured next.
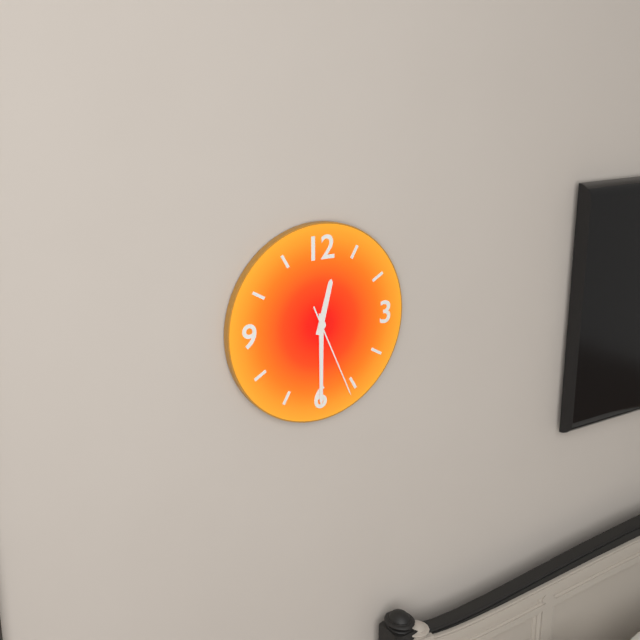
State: 12:30:26
